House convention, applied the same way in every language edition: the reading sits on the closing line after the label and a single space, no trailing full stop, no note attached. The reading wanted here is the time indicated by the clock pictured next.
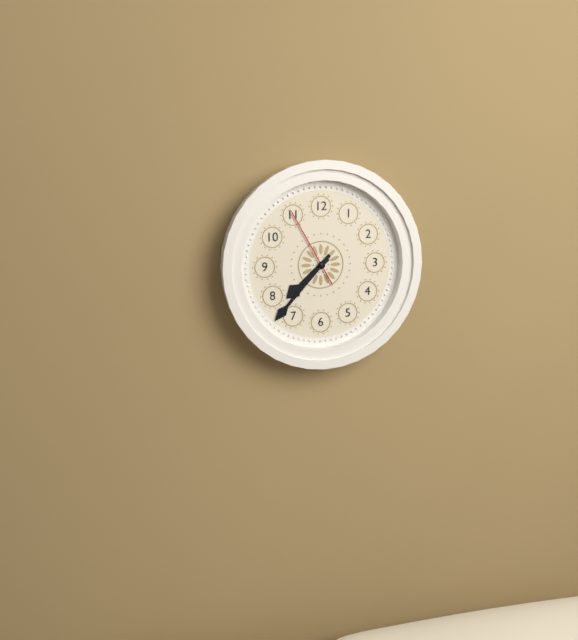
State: 7:37:55
